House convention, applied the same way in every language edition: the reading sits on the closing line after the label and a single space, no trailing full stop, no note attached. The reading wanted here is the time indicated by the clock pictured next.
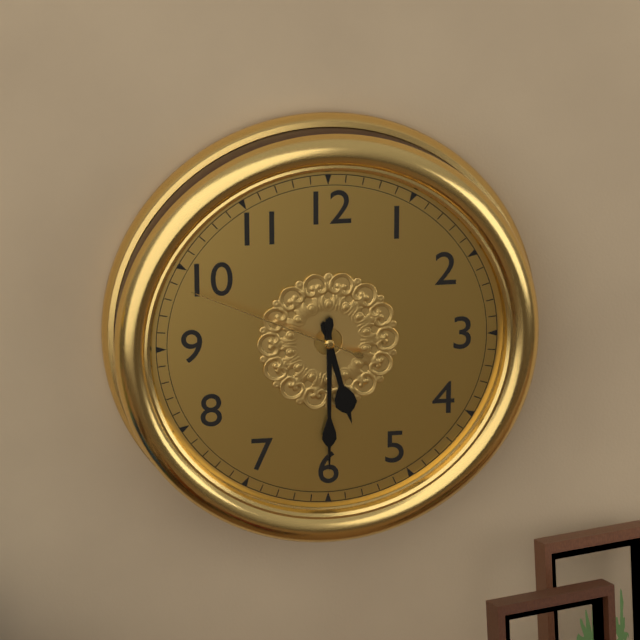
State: 5:30:49
